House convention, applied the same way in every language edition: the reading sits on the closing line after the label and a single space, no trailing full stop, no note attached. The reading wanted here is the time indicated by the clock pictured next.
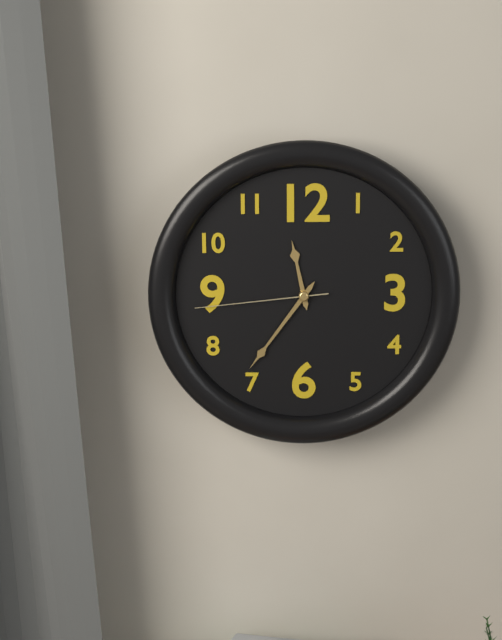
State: 11:36:44
